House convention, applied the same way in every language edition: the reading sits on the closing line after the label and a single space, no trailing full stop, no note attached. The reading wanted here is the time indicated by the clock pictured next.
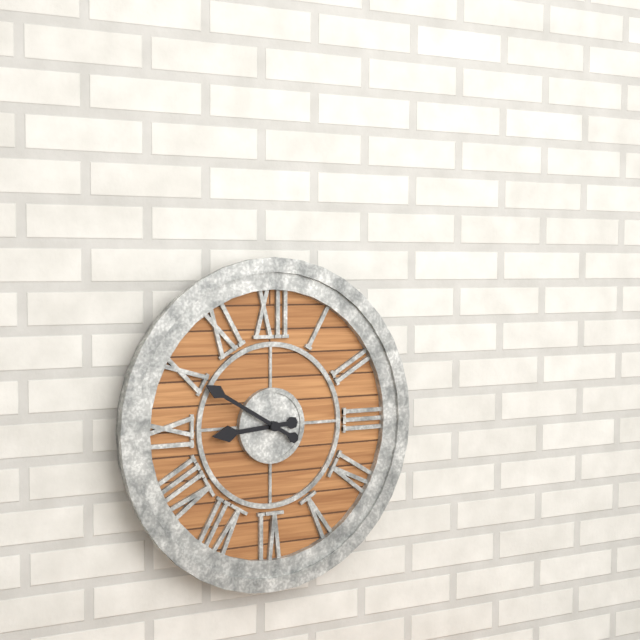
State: 8:50
